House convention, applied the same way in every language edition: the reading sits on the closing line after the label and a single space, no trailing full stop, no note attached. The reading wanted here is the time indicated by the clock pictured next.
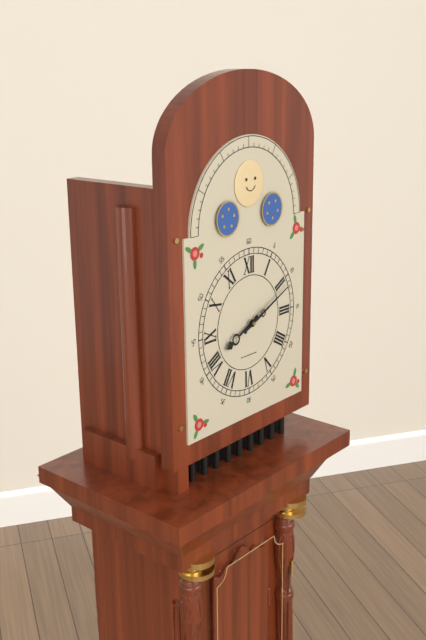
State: 8:11
